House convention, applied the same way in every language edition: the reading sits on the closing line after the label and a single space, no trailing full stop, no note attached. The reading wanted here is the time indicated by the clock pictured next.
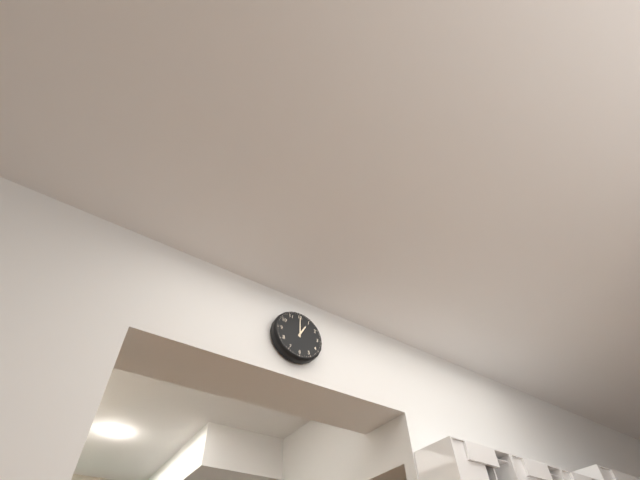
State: 1:00
